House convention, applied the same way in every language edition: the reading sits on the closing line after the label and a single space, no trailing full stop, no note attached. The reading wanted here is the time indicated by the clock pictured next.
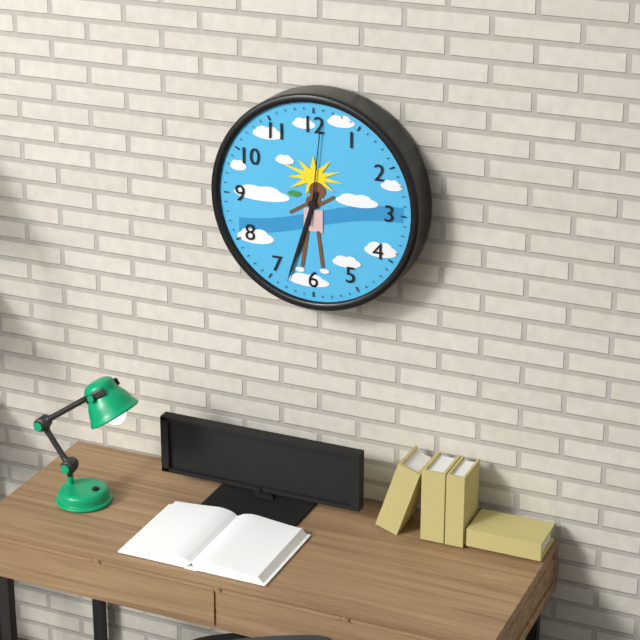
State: 6:33:01
